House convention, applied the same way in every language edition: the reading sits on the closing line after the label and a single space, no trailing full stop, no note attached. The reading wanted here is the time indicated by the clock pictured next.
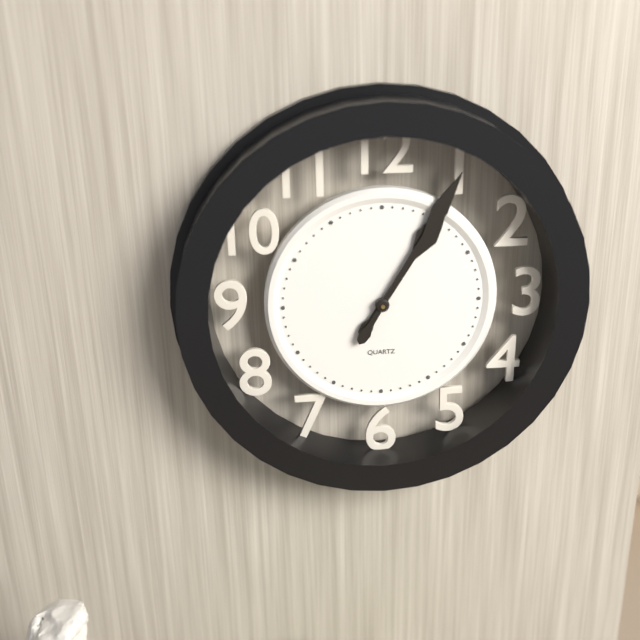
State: 1:05
